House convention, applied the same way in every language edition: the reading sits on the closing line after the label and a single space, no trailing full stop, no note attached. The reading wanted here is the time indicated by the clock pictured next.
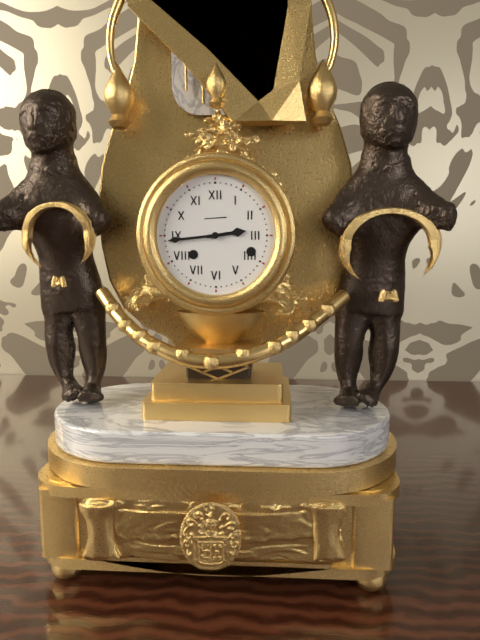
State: 2:44
